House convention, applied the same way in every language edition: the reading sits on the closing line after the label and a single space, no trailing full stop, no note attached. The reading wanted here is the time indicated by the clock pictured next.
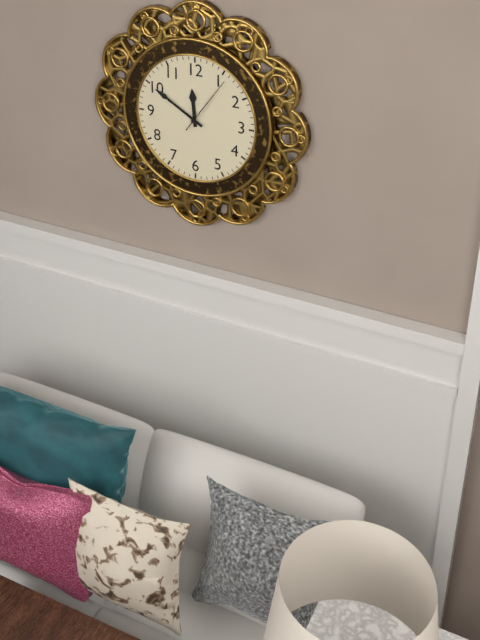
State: 11:50:06
